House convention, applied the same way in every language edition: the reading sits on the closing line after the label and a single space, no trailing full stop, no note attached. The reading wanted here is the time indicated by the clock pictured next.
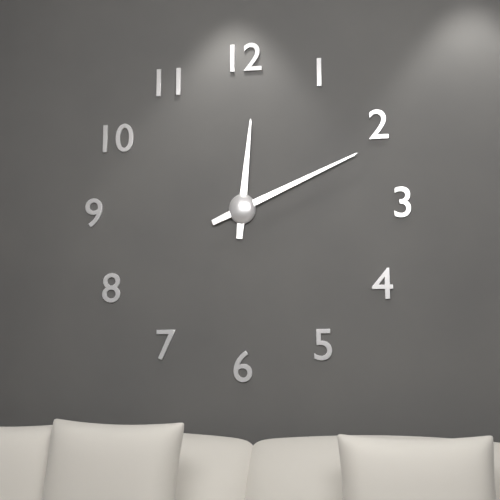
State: 12:11
